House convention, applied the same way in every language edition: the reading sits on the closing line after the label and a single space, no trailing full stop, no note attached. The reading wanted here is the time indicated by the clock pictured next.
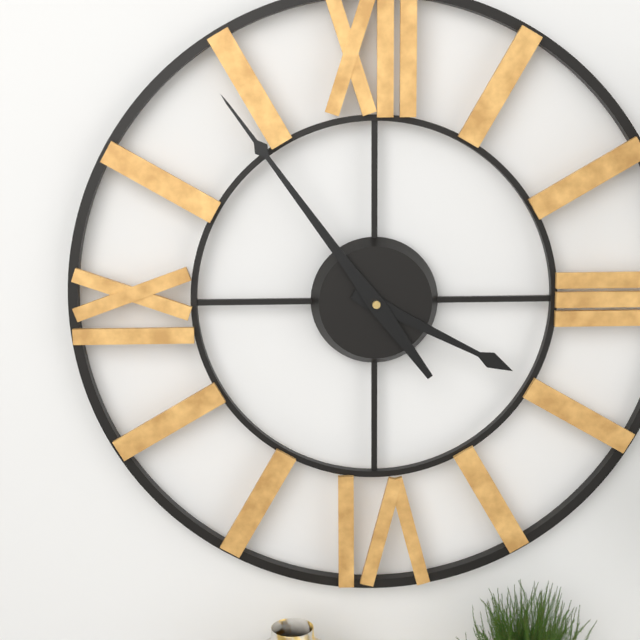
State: 3:54
